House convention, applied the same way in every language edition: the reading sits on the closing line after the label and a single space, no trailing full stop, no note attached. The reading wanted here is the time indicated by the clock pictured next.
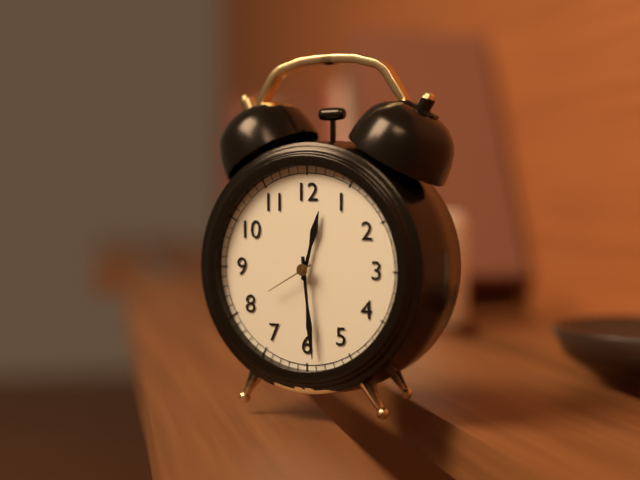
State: 12:29:40
